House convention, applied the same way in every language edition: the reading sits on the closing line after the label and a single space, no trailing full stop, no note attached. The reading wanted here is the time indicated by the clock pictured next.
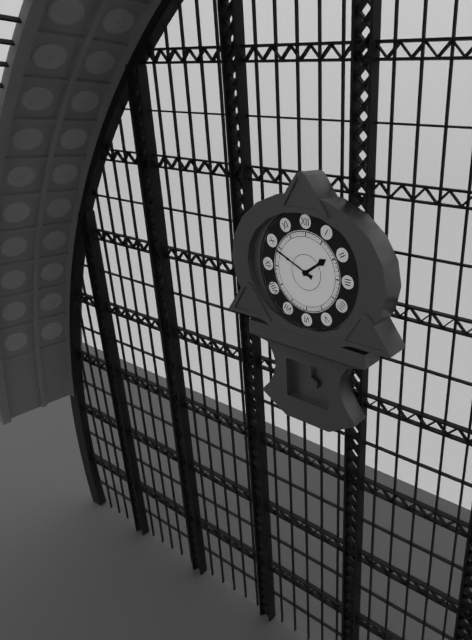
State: 1:49
